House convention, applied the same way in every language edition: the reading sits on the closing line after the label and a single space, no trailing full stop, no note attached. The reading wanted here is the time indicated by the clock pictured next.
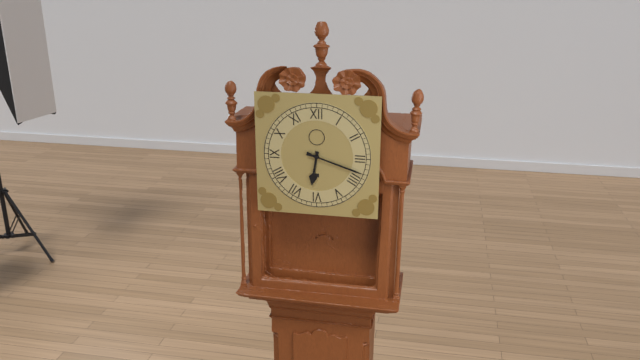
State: 6:18
